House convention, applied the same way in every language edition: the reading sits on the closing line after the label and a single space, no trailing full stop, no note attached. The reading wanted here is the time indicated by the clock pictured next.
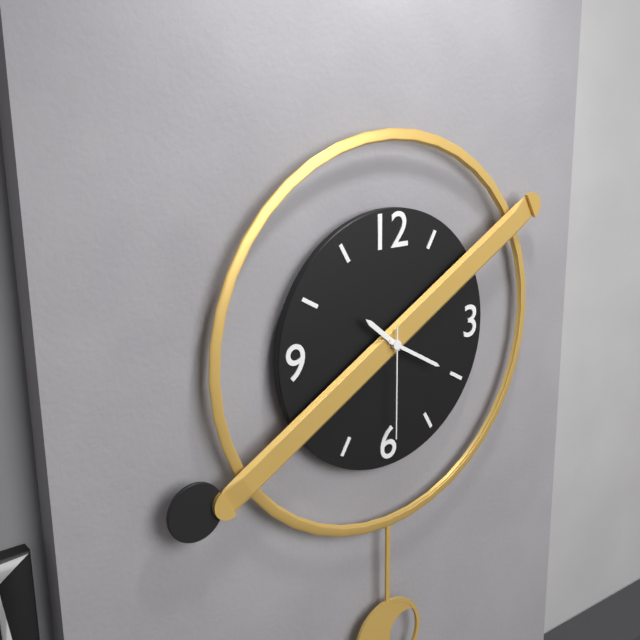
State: 10:20:30
